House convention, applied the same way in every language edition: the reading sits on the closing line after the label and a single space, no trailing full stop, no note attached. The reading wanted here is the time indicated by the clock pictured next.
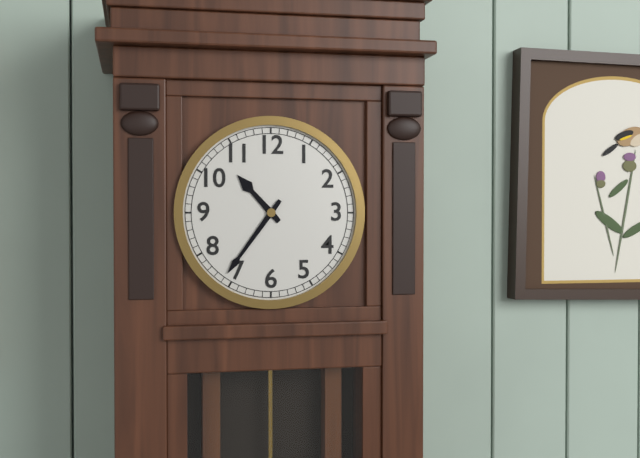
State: 10:36
